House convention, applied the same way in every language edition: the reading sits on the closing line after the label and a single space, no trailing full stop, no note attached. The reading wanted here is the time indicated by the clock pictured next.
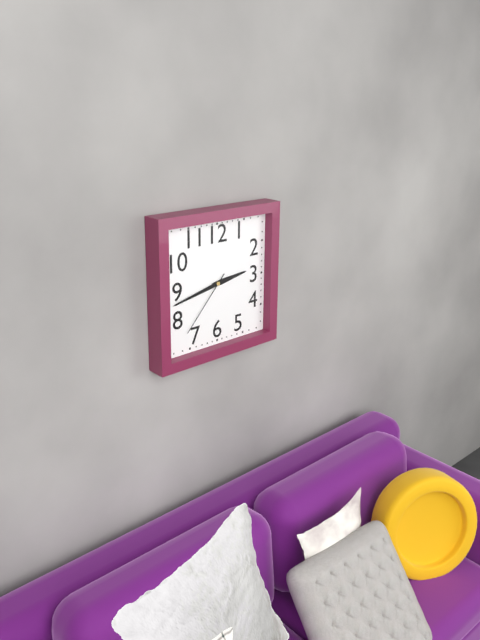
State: 2:43:37
